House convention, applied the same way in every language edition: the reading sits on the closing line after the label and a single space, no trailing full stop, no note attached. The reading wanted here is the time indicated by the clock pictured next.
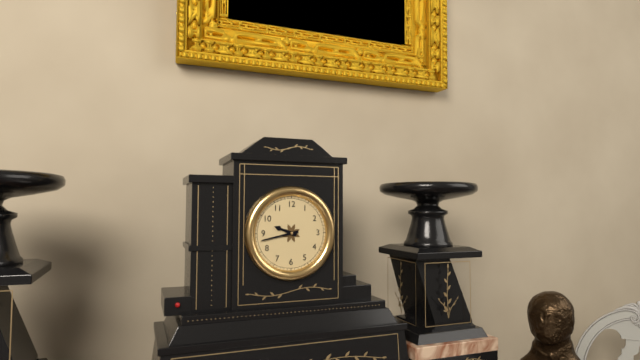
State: 9:43
